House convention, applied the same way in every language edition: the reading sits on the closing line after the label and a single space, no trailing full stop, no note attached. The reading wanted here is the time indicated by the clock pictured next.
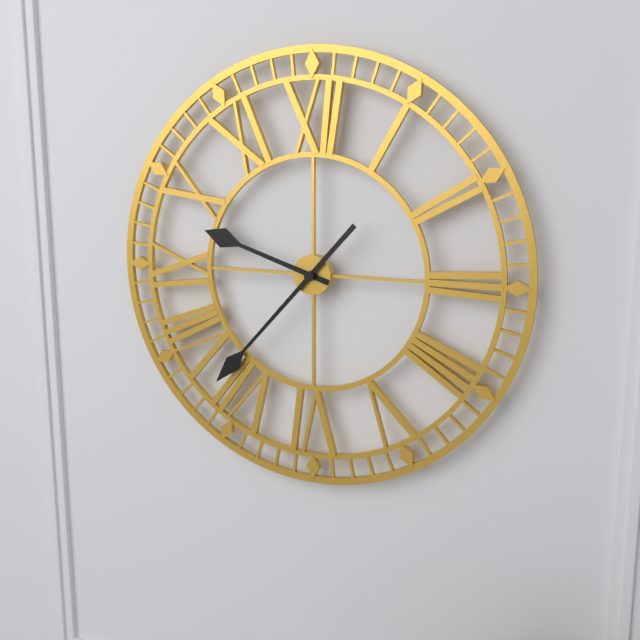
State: 9:37
